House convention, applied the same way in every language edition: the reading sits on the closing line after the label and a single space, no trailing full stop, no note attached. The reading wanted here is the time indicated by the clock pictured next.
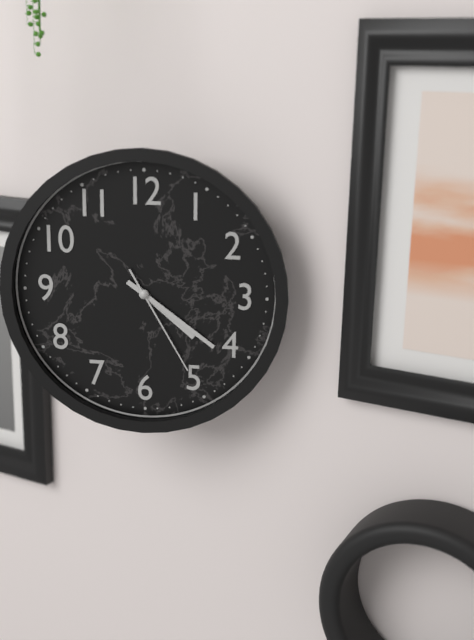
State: 4:21:25
